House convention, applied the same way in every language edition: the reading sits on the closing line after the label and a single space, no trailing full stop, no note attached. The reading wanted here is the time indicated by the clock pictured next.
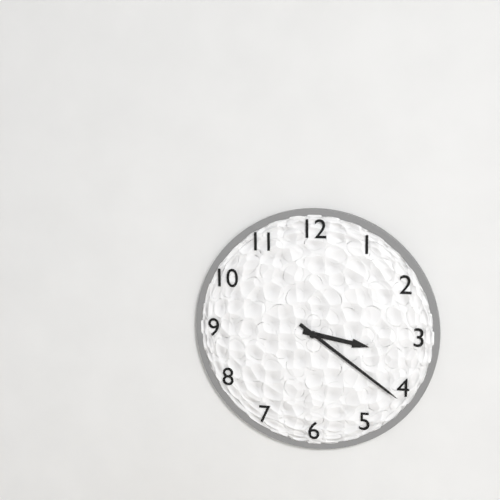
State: 3:21
